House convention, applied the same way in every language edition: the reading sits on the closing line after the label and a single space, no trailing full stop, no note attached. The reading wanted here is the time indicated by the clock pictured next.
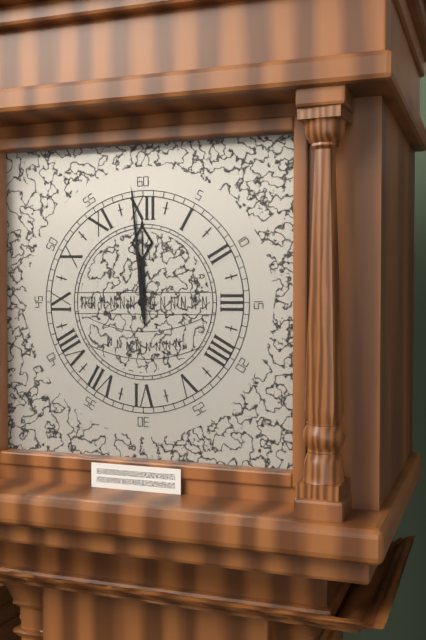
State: 11:59
